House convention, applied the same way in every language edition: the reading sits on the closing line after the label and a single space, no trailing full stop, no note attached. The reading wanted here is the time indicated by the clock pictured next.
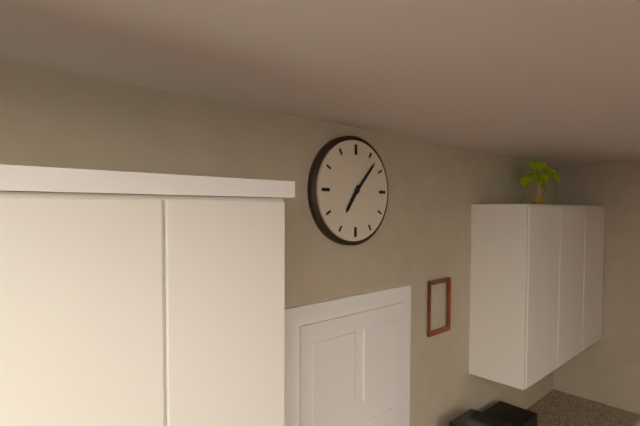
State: 7:07
